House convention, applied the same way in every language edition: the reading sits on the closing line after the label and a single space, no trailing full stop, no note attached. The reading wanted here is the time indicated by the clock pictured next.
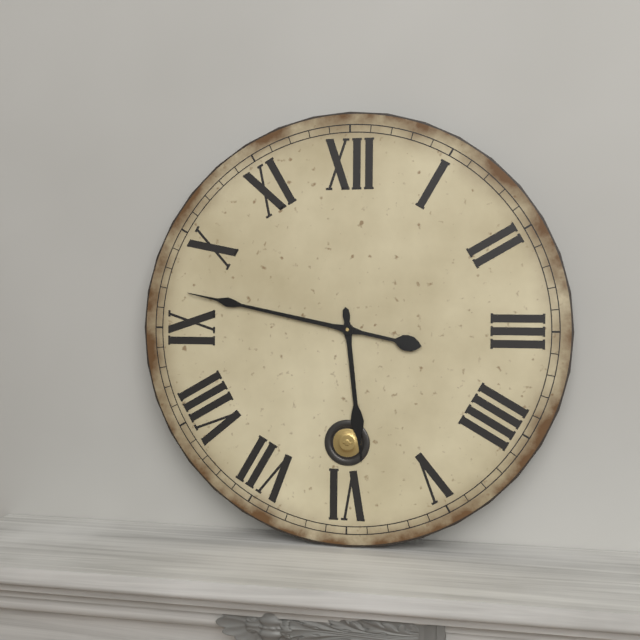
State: 5:47
